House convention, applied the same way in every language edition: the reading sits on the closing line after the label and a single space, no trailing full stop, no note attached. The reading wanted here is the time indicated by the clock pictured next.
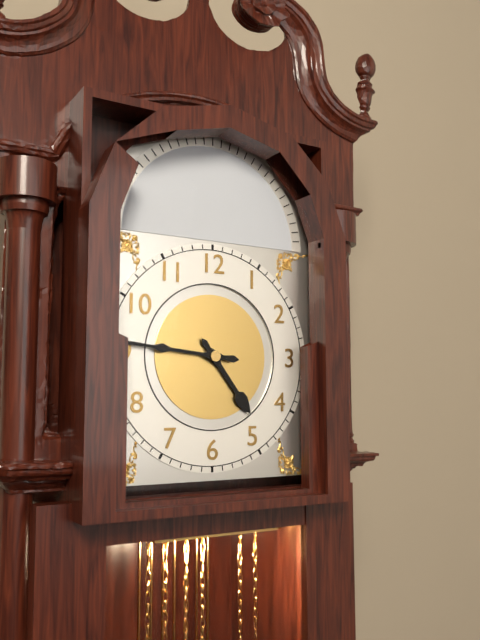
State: 4:46
